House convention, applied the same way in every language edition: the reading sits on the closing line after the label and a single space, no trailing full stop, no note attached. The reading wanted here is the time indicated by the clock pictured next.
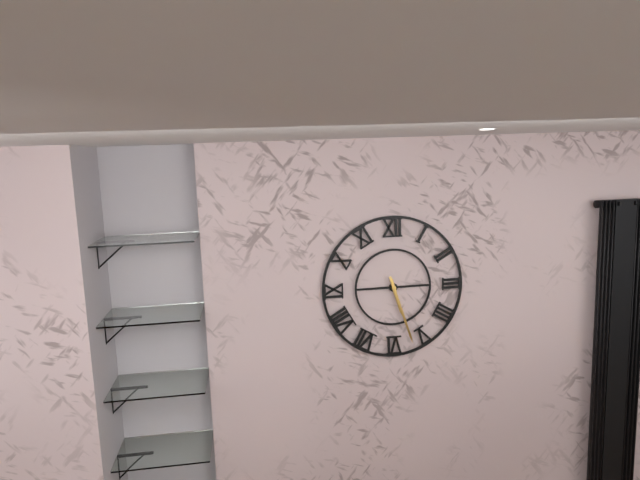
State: 5:27
